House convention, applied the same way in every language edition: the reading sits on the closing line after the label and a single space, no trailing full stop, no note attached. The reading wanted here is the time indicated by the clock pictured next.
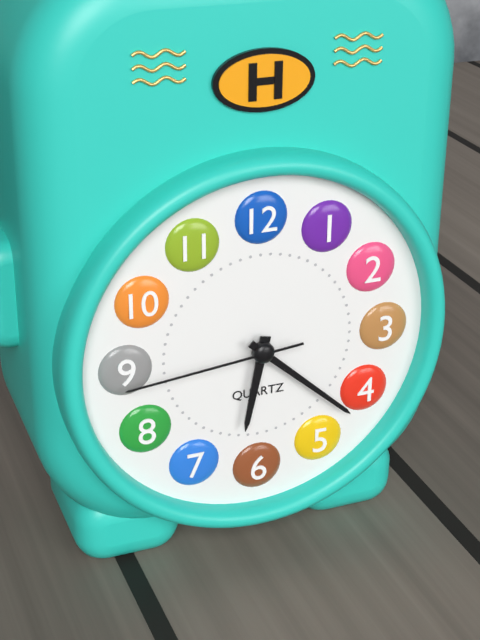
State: 6:22:44
